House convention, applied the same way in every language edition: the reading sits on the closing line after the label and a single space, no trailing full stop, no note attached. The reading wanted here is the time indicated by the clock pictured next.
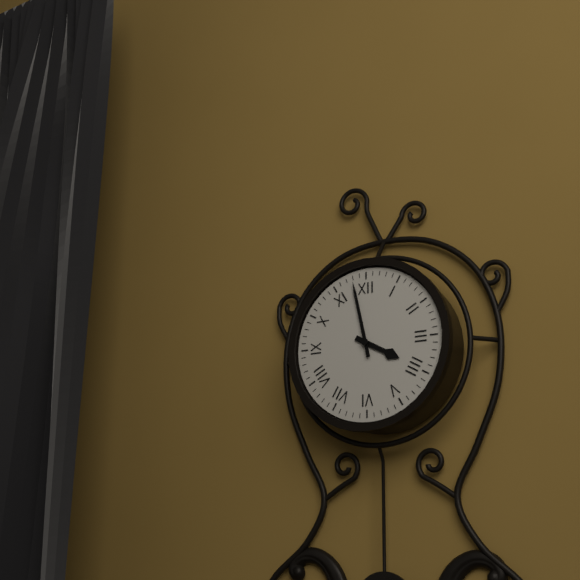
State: 3:58
